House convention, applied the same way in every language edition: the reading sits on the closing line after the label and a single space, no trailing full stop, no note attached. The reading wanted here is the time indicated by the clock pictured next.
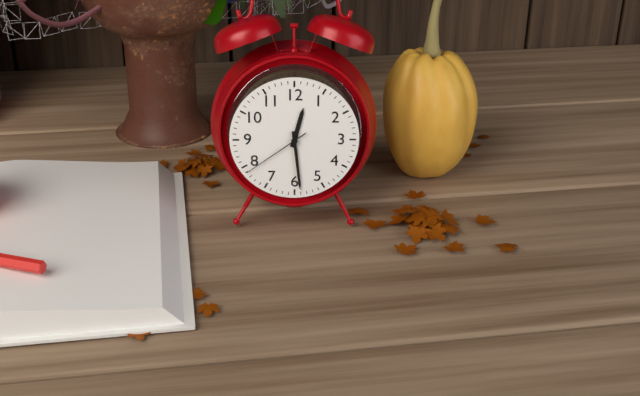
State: 12:29:39
